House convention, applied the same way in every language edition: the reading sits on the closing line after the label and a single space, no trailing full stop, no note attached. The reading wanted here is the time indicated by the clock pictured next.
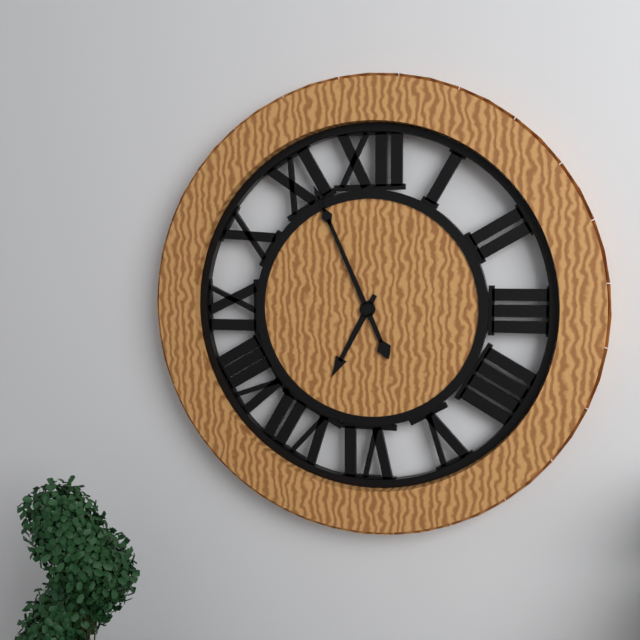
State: 6:56
